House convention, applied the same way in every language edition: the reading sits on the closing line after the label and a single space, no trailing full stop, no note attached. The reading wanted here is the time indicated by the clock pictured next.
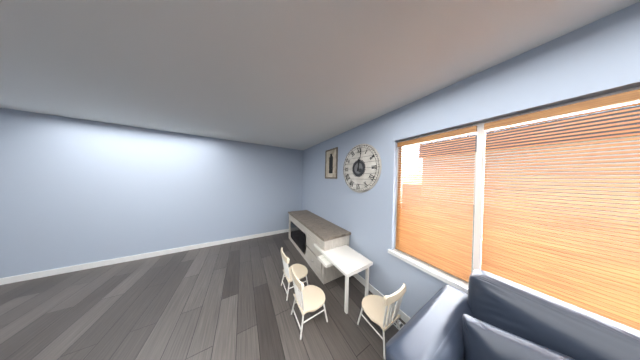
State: 12:02
